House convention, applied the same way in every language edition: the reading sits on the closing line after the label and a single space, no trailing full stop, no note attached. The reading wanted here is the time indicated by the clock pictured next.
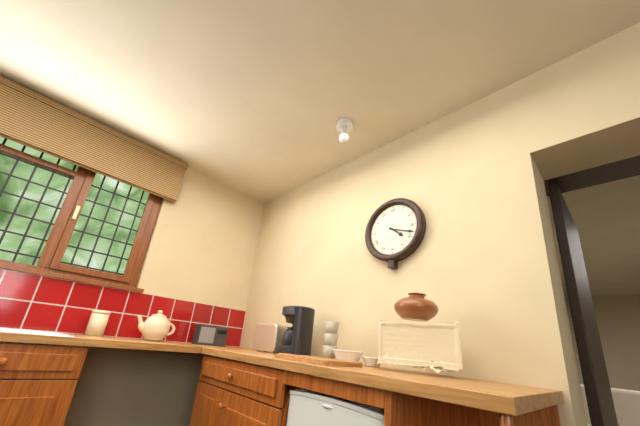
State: 4:18
